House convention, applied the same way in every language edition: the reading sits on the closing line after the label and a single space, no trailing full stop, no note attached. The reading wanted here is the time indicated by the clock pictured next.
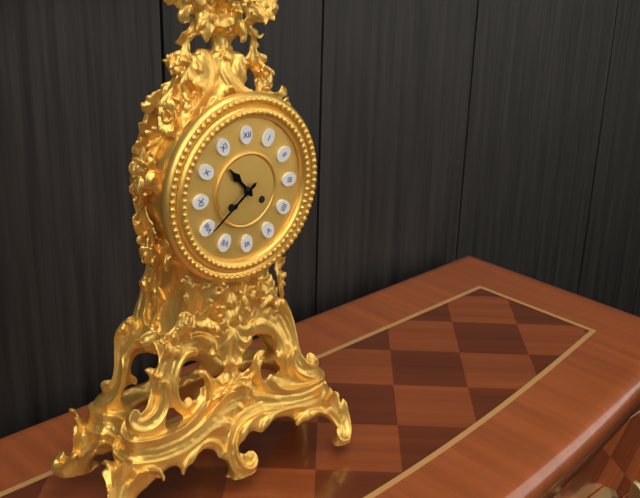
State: 10:39
